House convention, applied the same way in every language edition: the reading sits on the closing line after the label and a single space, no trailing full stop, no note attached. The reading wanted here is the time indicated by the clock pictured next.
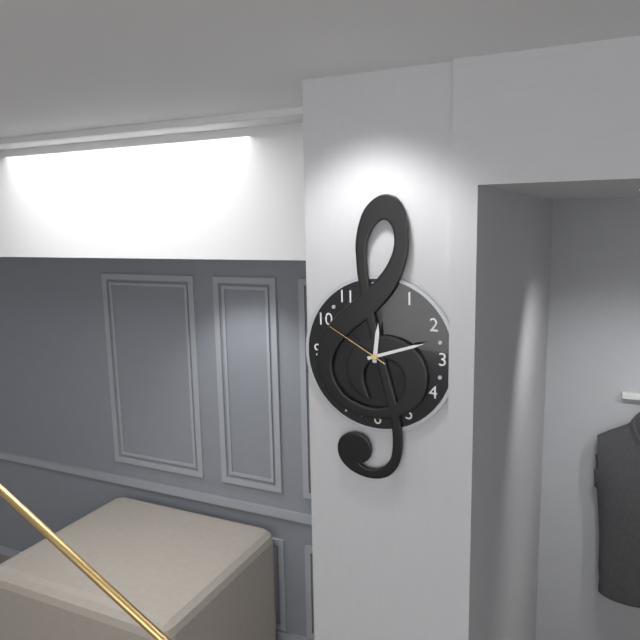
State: 12:12:50
